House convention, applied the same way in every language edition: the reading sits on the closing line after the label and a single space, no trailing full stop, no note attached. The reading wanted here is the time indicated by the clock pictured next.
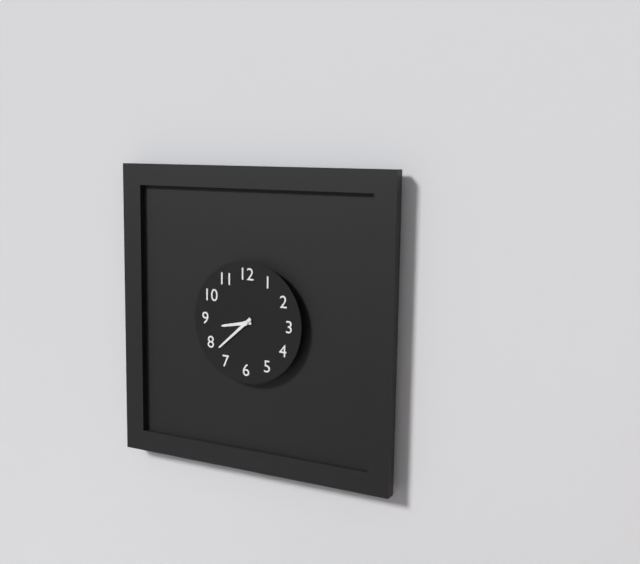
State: 8:38
